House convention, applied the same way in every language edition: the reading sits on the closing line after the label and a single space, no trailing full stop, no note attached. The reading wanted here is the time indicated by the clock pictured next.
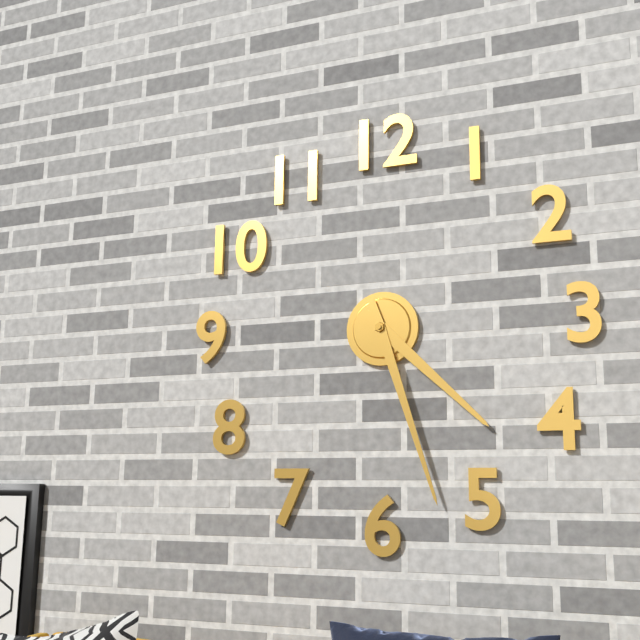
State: 4:27
